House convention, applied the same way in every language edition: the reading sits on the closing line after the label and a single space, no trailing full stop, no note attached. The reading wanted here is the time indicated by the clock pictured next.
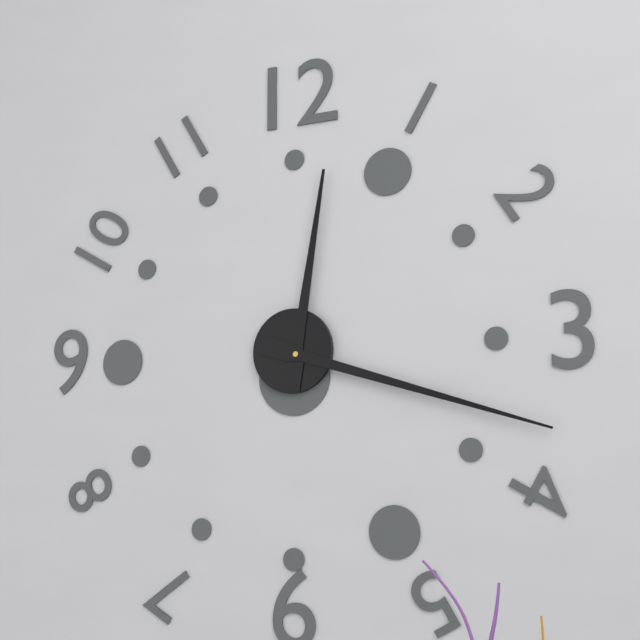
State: 12:18
